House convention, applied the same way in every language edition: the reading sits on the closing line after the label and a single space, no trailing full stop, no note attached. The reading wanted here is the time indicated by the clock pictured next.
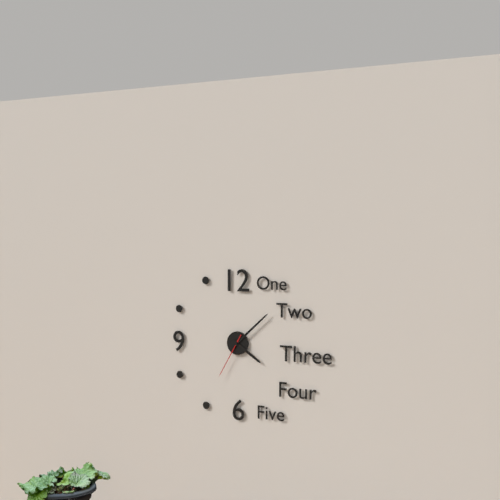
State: 4:08
